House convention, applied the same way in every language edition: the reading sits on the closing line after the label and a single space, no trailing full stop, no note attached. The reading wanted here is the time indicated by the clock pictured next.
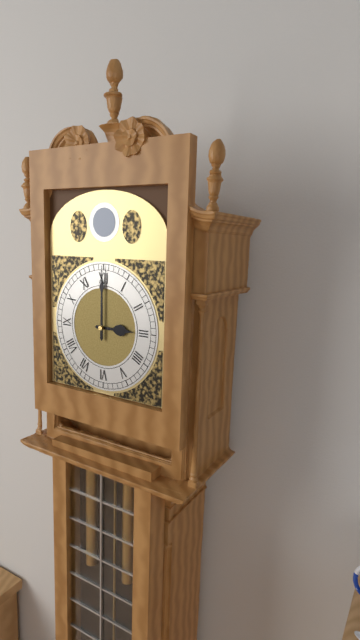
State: 3:00
